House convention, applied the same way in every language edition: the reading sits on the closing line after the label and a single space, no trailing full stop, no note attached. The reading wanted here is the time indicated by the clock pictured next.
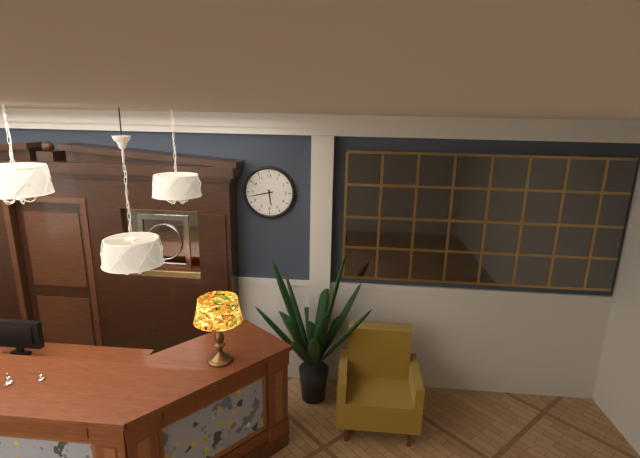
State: 5:43
